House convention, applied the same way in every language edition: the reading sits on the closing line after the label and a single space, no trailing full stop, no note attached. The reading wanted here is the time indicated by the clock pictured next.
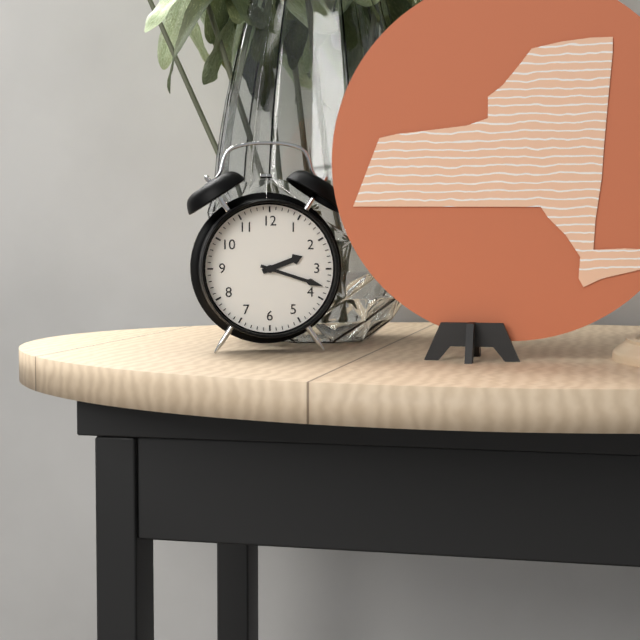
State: 2:18
